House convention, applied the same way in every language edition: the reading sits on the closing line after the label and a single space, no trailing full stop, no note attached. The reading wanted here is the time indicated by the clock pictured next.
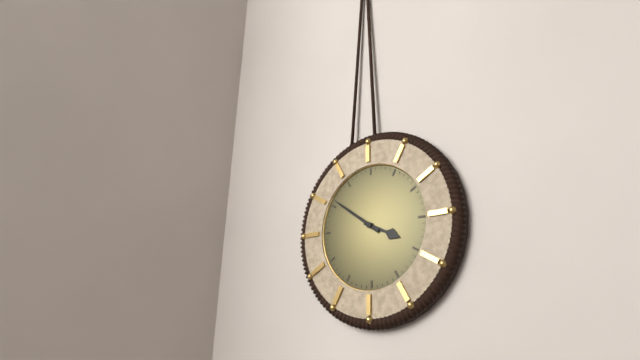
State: 3:51
